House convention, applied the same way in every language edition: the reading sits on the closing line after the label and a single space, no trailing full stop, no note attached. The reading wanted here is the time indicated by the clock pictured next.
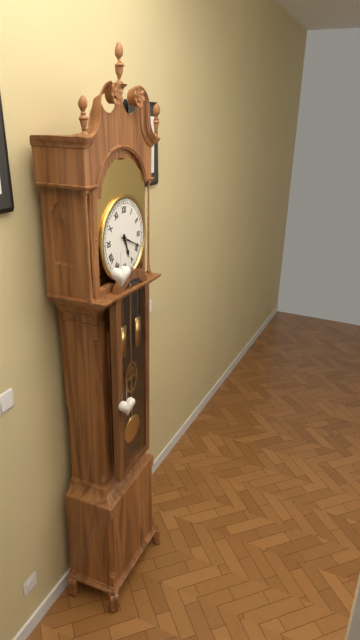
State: 5:19
